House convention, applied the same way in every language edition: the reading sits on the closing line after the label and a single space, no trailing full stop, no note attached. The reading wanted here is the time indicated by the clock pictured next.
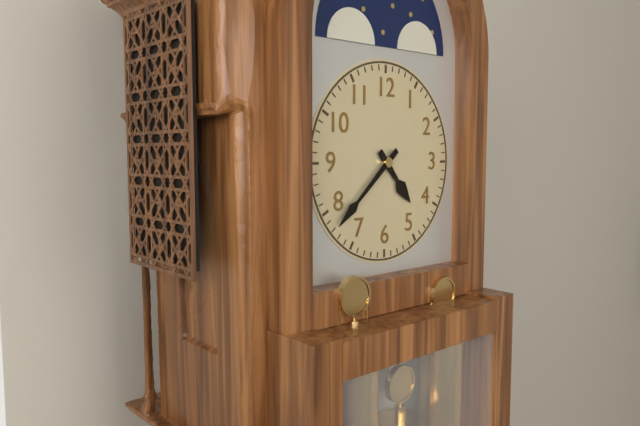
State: 4:38
